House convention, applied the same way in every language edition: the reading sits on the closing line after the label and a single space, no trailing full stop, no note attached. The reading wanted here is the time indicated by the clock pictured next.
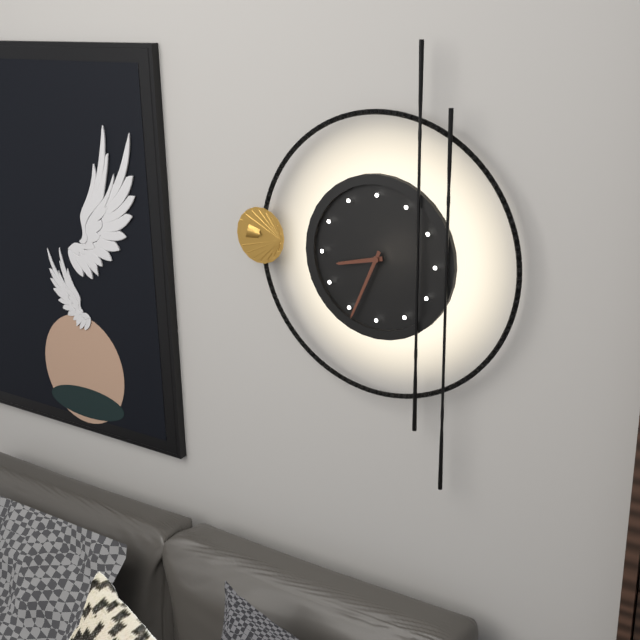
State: 8:34
